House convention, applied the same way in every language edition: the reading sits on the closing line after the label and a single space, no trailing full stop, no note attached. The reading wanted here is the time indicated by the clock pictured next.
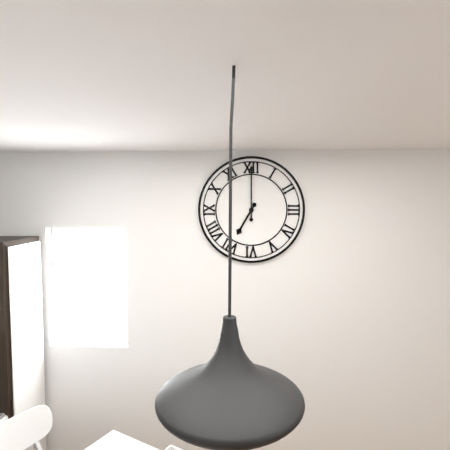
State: 7:00
